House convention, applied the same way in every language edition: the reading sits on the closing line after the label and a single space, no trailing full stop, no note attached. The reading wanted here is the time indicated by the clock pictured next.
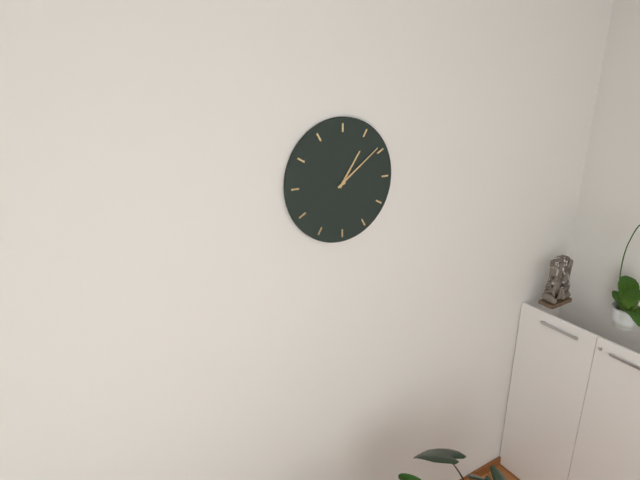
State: 1:09
